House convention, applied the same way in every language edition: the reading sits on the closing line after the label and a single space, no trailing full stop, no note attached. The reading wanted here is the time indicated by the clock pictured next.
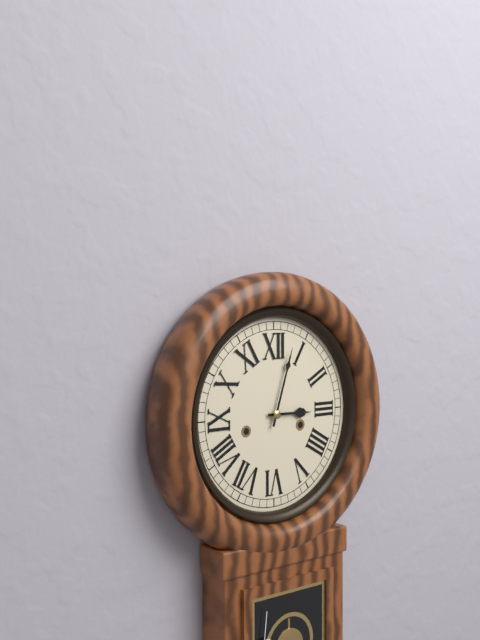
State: 3:03
